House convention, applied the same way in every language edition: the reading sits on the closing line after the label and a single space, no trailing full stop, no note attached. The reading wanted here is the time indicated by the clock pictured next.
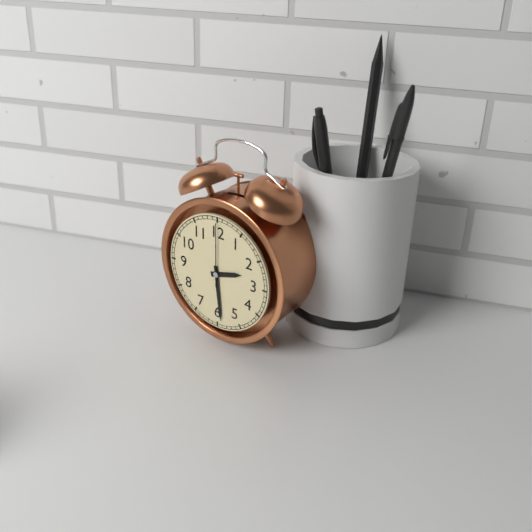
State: 2:29:00
